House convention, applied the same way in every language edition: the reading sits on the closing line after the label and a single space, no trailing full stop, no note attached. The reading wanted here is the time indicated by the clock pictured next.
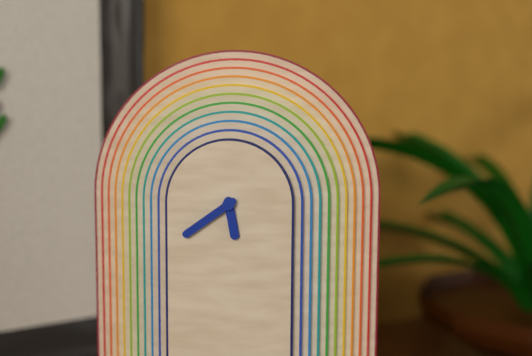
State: 5:39
